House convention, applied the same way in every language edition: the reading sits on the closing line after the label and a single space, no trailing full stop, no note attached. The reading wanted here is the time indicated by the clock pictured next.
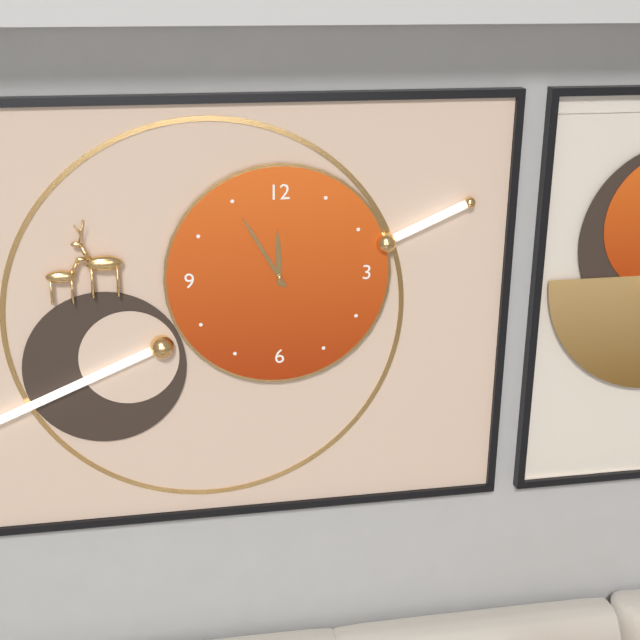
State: 11:55
